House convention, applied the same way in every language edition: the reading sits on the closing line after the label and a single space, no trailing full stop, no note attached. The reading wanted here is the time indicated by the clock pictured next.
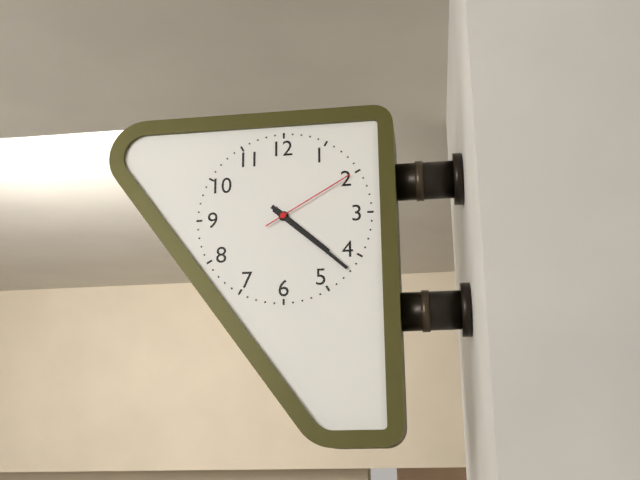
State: 4:22:10
